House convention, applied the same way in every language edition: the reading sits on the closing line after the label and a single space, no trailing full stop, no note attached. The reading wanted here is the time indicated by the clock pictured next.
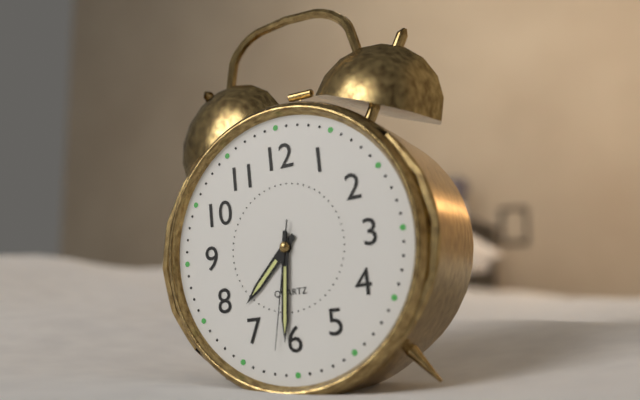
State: 7:31:32
